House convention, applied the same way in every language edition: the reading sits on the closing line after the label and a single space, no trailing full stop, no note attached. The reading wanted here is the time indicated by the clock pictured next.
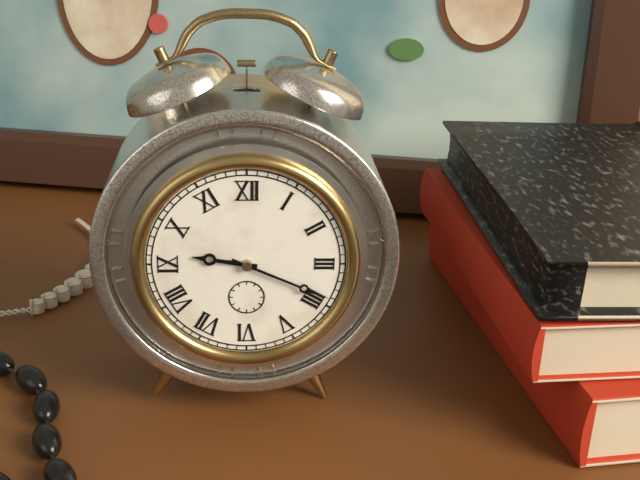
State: 9:19
